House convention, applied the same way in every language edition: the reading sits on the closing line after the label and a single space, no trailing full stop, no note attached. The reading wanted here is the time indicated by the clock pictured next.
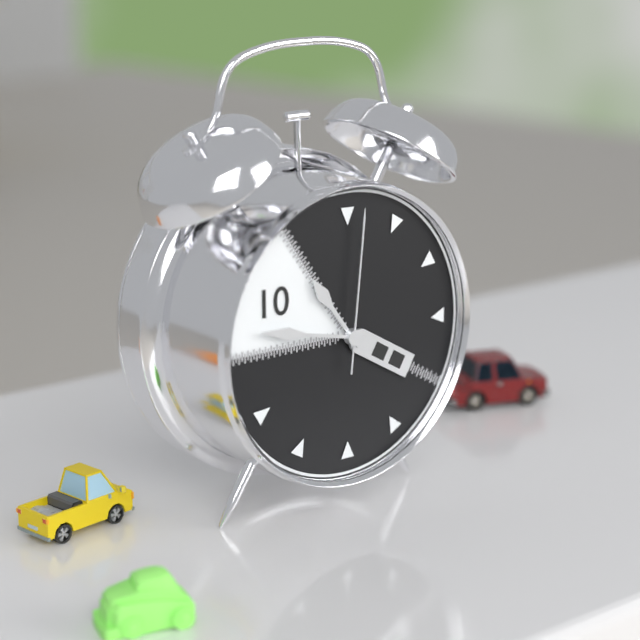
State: 10:47:01
